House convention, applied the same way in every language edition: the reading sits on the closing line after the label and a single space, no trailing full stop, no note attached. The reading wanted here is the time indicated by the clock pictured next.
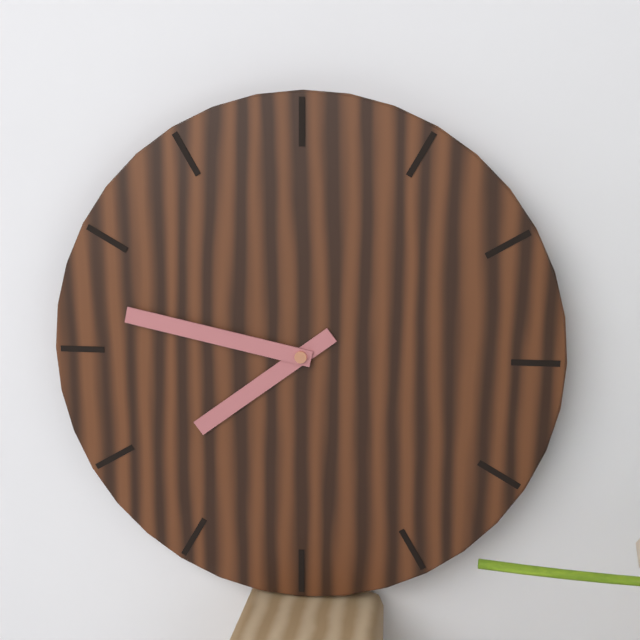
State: 7:47
